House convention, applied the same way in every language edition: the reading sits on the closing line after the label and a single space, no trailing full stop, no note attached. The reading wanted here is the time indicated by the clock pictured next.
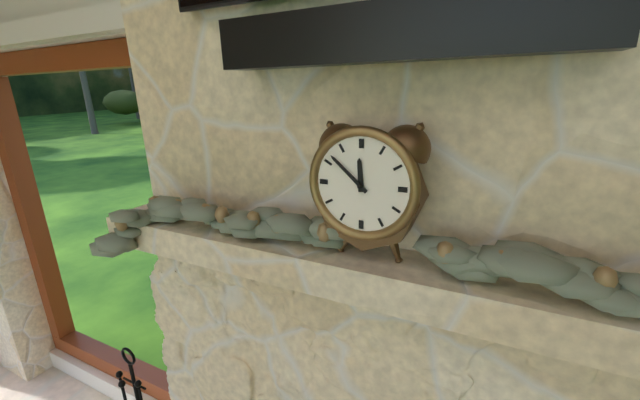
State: 11:52
